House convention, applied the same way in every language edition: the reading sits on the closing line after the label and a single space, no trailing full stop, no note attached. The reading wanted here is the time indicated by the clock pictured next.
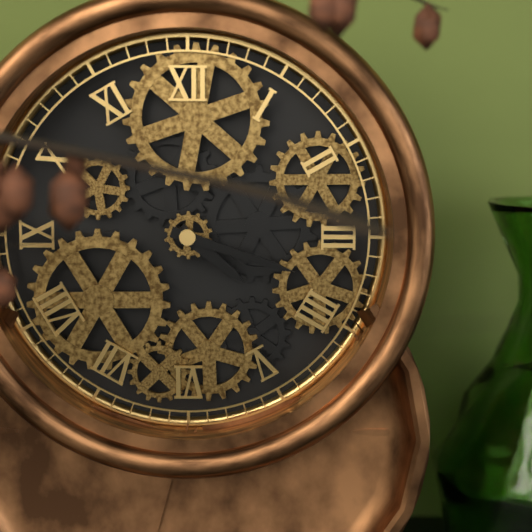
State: 4:18
